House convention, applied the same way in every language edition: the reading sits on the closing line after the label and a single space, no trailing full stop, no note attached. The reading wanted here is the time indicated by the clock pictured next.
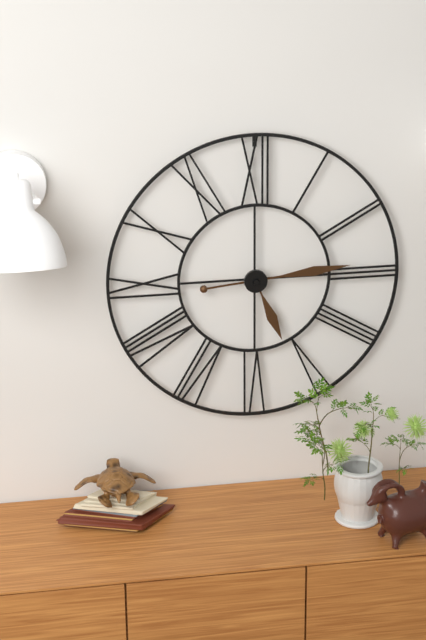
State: 5:14
